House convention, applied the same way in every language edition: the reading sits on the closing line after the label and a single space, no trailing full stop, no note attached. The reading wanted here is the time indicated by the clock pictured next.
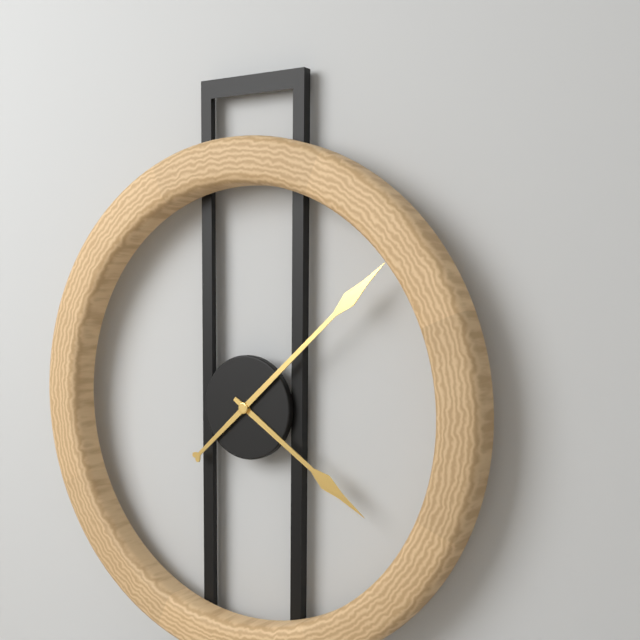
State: 4:08
